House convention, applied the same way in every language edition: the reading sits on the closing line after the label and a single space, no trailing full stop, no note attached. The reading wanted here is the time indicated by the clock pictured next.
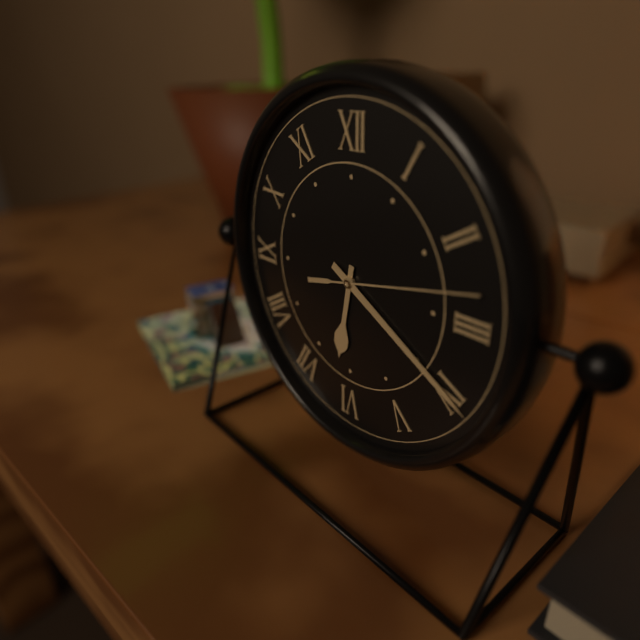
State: 6:20:13
